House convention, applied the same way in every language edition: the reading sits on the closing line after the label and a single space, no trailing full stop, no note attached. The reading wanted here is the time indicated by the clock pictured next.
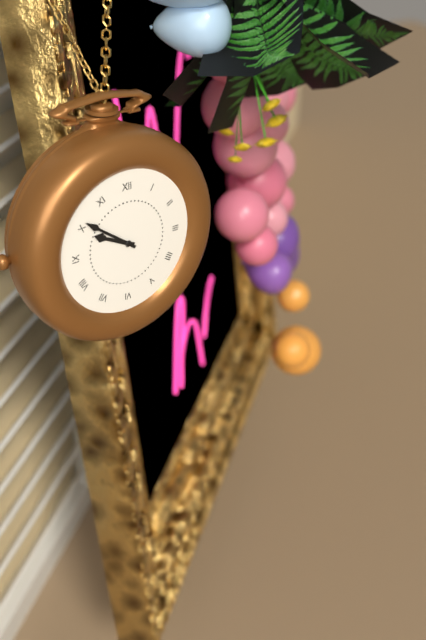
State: 9:51
